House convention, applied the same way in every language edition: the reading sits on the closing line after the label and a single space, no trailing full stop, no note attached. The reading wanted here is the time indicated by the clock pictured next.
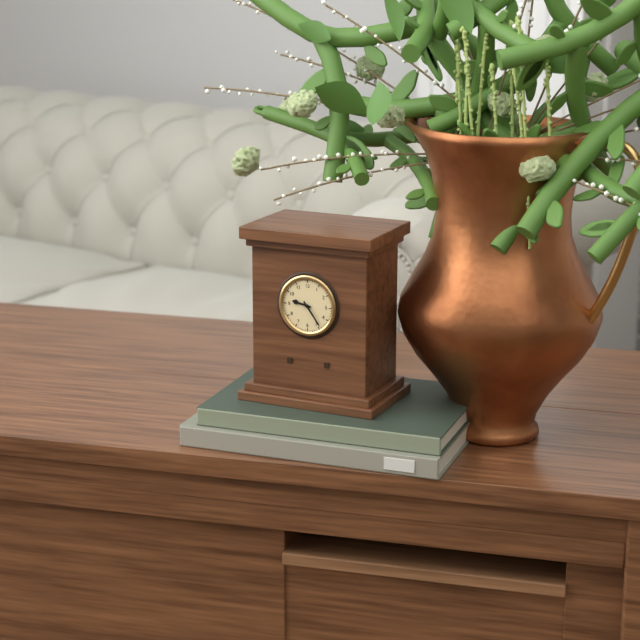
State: 9:24
